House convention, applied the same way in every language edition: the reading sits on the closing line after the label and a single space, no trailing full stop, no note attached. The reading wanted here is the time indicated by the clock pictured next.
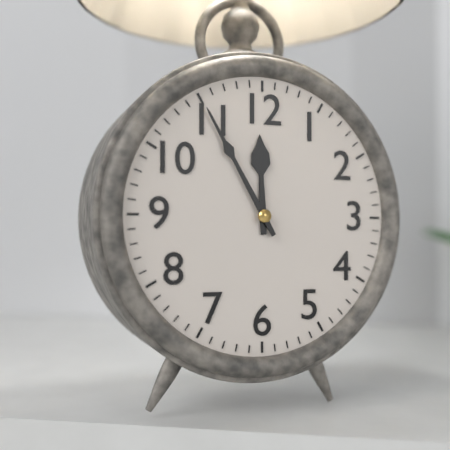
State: 11:55
